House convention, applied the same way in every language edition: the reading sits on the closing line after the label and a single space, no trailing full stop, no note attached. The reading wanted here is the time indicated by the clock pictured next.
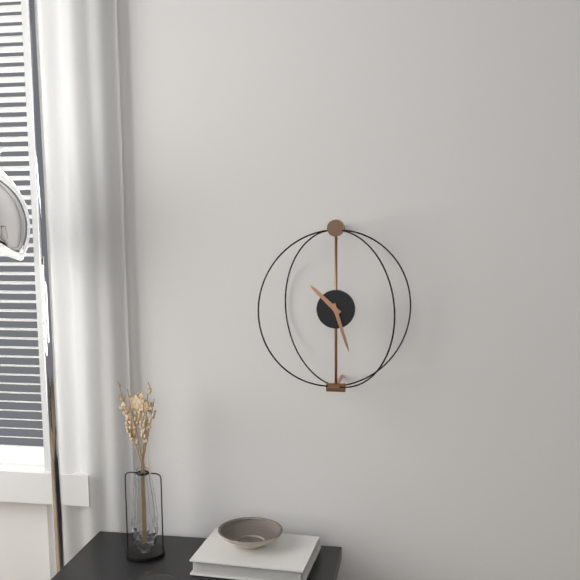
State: 10:27
